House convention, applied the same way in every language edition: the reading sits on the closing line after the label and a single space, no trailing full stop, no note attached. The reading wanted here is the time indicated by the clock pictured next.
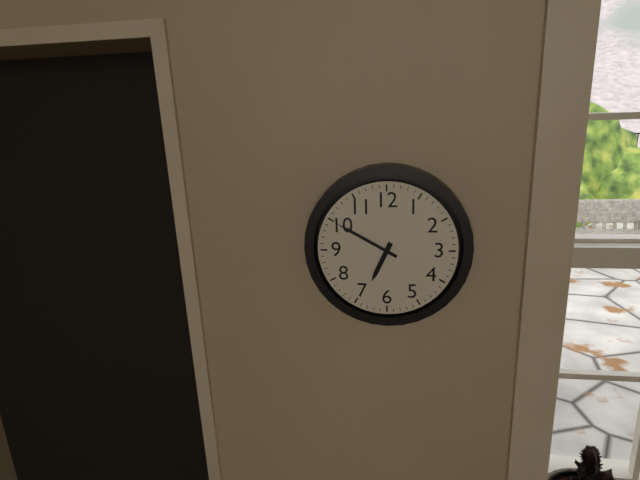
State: 6:50
